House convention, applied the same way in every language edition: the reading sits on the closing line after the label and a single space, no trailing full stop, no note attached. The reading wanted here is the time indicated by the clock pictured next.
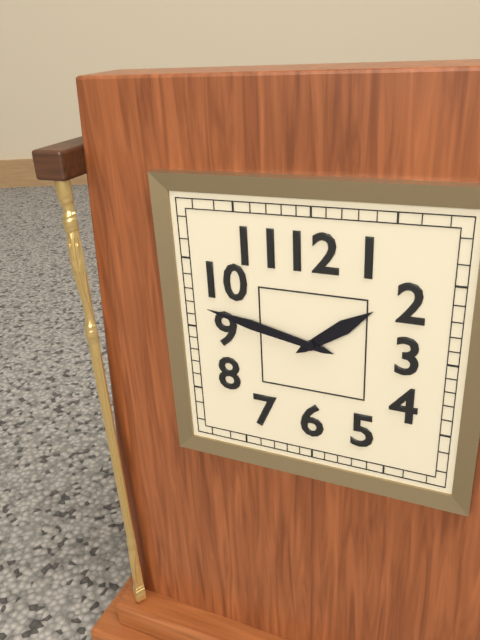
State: 1:47
